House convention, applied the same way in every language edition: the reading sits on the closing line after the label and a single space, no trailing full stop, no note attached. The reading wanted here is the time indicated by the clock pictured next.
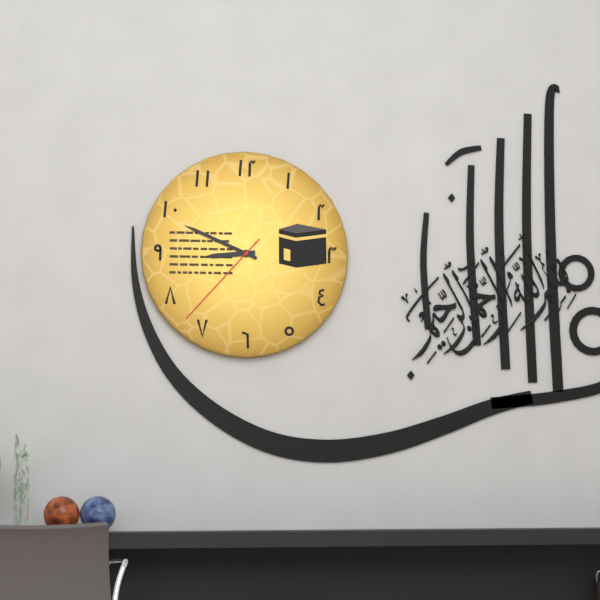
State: 8:49:37
